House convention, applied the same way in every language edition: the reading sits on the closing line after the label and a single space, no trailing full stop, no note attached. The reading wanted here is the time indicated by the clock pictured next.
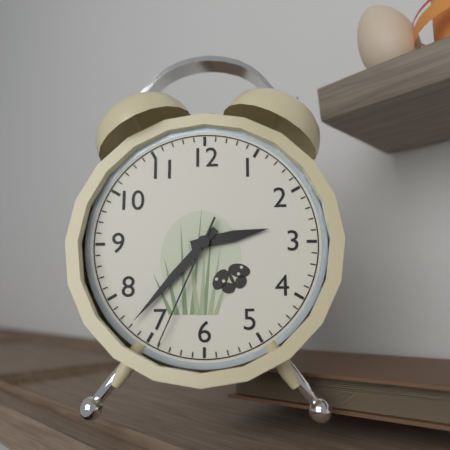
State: 2:37:34
